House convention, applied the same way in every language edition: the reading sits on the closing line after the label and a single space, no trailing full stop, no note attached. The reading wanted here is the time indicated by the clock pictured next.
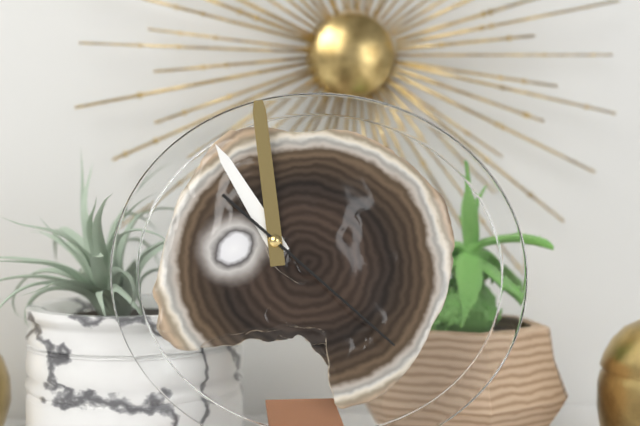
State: 10:59:22
